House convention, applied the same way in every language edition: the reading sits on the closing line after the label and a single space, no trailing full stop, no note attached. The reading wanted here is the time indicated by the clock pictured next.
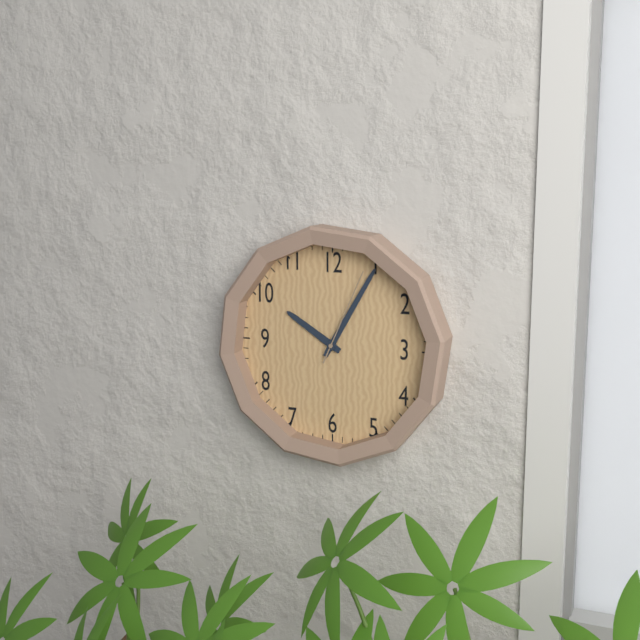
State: 10:05:04
